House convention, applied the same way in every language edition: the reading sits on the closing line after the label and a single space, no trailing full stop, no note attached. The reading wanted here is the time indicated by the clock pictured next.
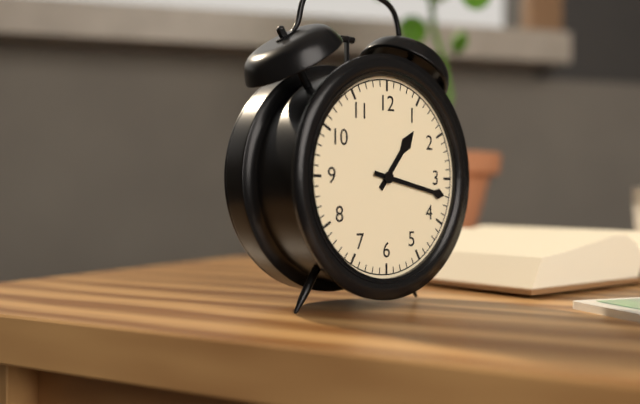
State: 1:17
